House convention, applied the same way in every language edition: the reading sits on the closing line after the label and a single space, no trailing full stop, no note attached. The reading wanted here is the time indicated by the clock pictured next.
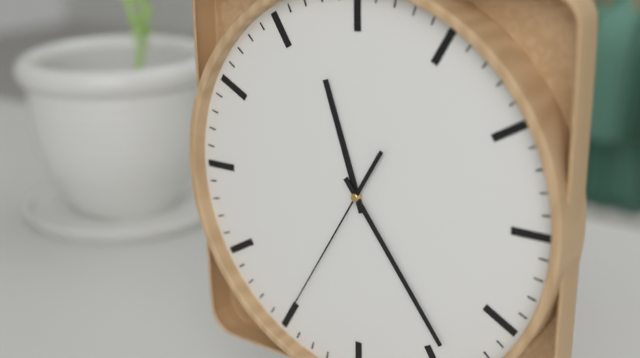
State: 11:24:35
